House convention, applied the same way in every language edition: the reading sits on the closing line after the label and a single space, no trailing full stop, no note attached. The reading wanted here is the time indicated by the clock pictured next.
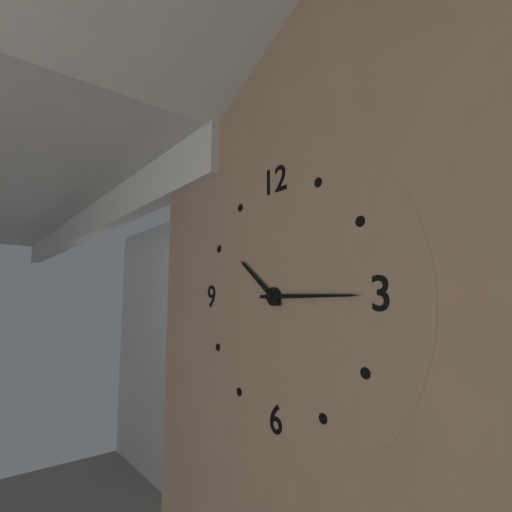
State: 10:15
